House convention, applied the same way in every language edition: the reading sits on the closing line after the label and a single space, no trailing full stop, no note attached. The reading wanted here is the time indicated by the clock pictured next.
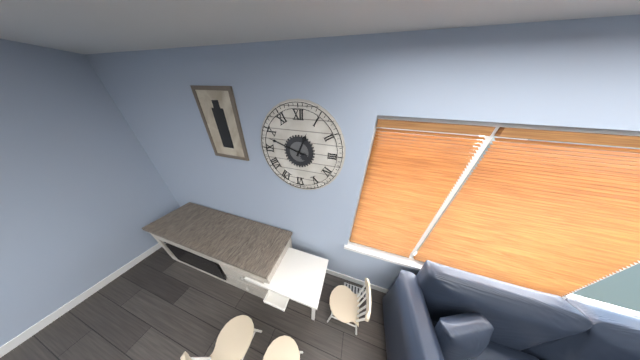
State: 12:48
